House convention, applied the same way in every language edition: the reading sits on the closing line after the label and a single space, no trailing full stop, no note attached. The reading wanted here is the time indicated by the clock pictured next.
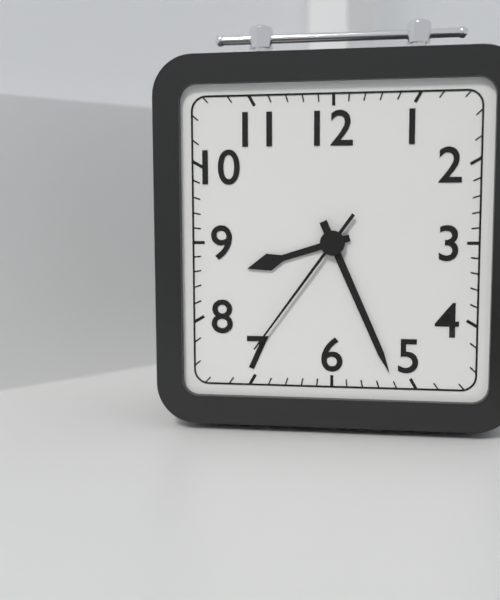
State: 8:26:36
